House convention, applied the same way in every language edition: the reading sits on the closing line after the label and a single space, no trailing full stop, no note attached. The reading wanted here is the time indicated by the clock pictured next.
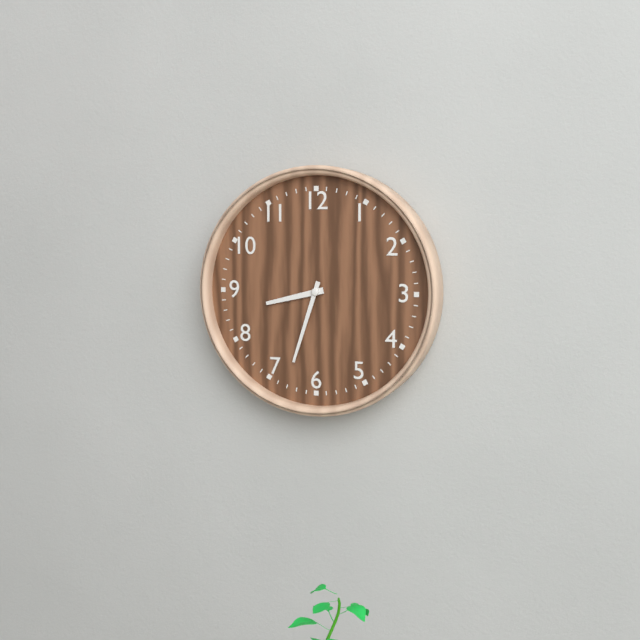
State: 8:33
